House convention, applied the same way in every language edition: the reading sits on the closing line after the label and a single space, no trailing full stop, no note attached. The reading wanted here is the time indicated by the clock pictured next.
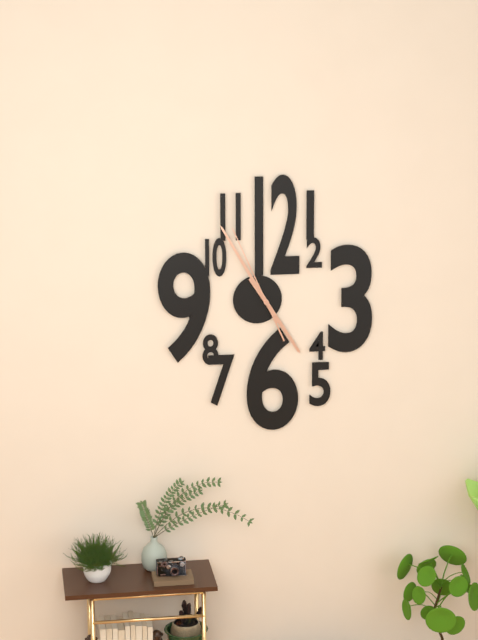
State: 4:55:56
